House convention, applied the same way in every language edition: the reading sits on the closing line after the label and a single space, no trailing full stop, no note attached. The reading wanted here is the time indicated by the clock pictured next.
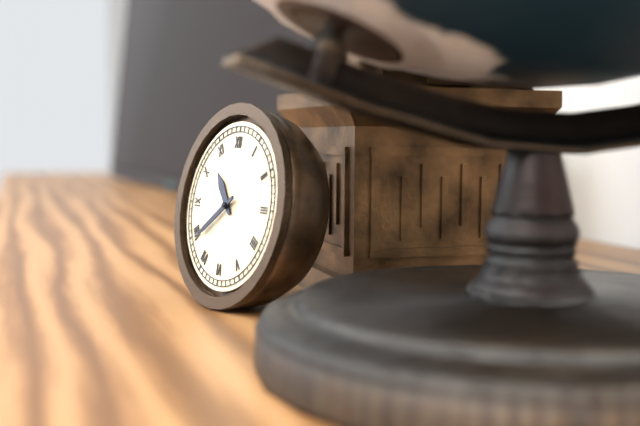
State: 10:39
